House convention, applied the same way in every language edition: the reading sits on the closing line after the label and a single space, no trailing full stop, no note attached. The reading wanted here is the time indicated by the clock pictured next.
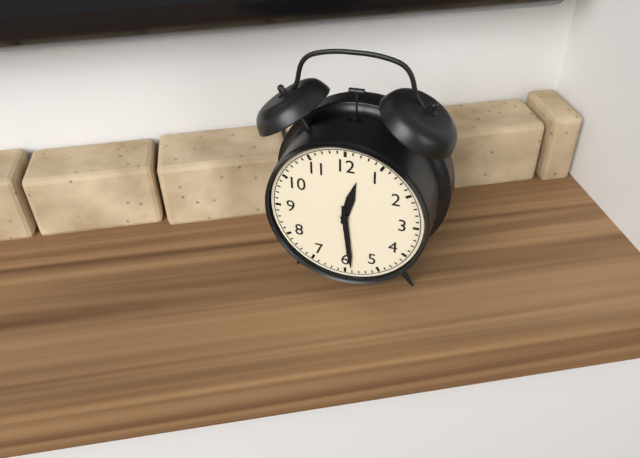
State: 12:29
